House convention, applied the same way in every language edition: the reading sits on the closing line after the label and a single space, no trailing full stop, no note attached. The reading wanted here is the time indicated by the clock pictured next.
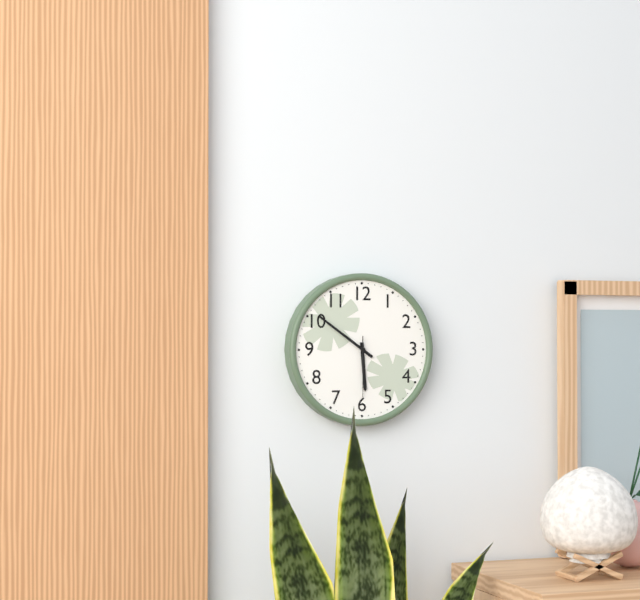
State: 5:51:30
